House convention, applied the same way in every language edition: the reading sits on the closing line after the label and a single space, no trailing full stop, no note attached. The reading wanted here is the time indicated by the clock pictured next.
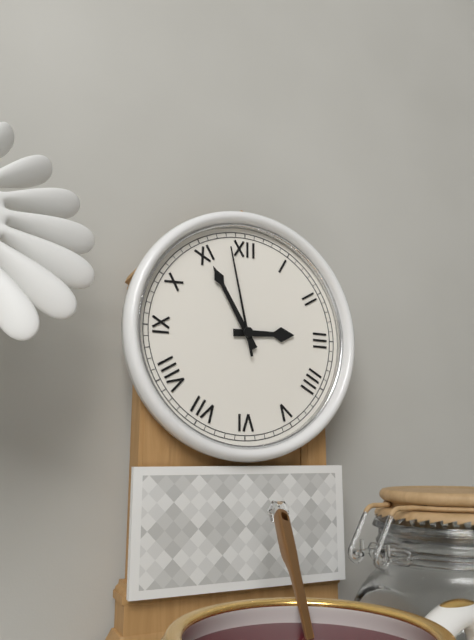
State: 2:55:58
